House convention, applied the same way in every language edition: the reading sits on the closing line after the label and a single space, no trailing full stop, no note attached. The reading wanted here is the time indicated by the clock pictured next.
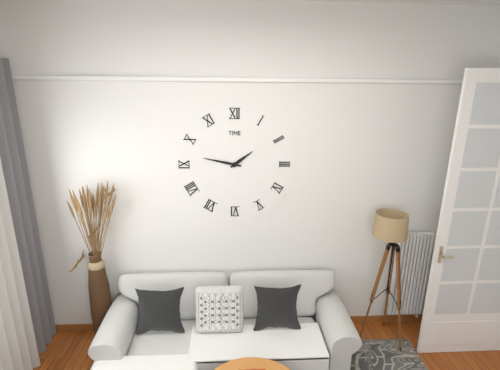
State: 1:47
